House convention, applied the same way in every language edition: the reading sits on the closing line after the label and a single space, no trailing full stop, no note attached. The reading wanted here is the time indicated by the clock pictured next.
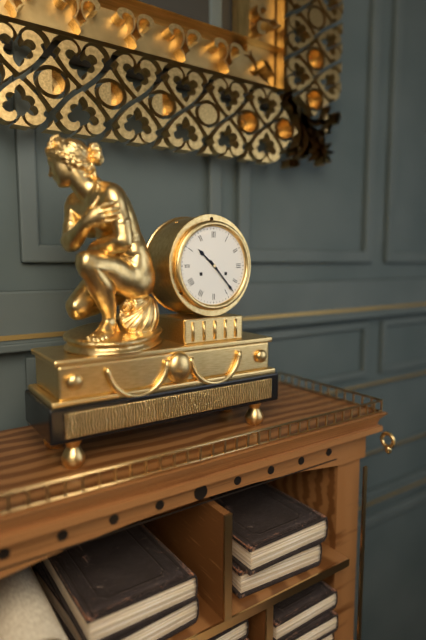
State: 10:23
